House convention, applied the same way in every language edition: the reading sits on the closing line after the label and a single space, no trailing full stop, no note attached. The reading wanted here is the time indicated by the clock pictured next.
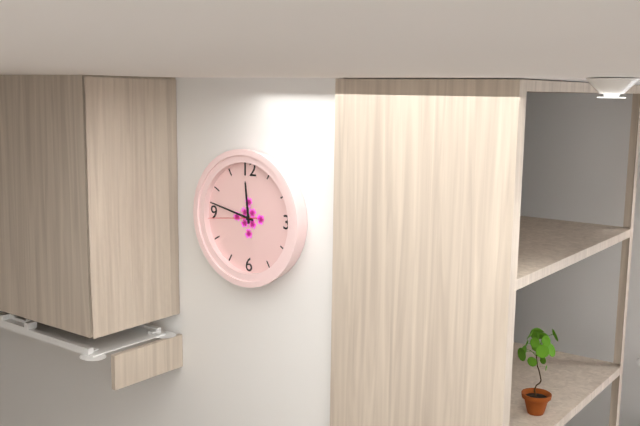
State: 11:47
